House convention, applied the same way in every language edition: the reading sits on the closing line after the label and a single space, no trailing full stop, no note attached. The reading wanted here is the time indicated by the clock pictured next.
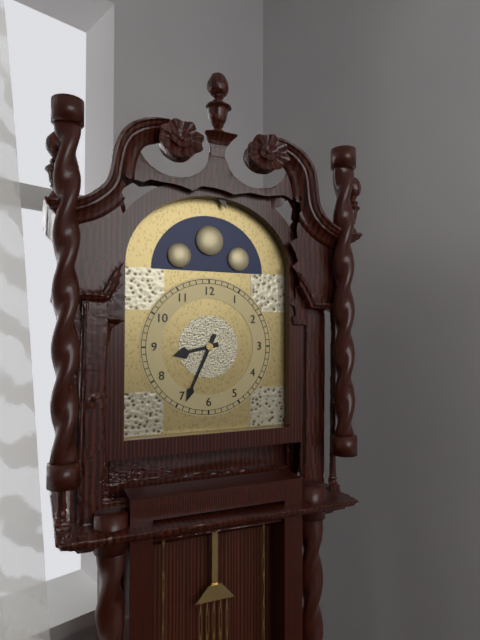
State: 8:34
